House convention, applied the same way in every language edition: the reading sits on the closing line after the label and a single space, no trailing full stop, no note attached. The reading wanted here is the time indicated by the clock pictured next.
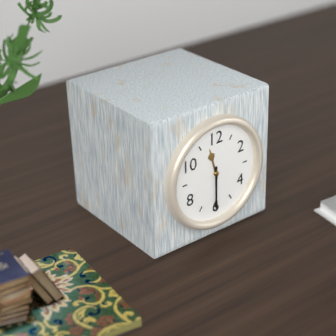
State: 11:30
